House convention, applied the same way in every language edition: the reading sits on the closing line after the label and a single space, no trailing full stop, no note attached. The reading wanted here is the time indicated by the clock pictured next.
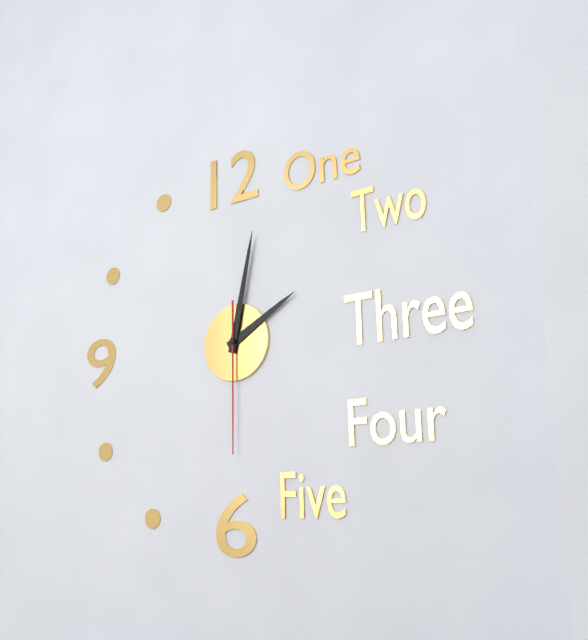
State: 2:02:30
